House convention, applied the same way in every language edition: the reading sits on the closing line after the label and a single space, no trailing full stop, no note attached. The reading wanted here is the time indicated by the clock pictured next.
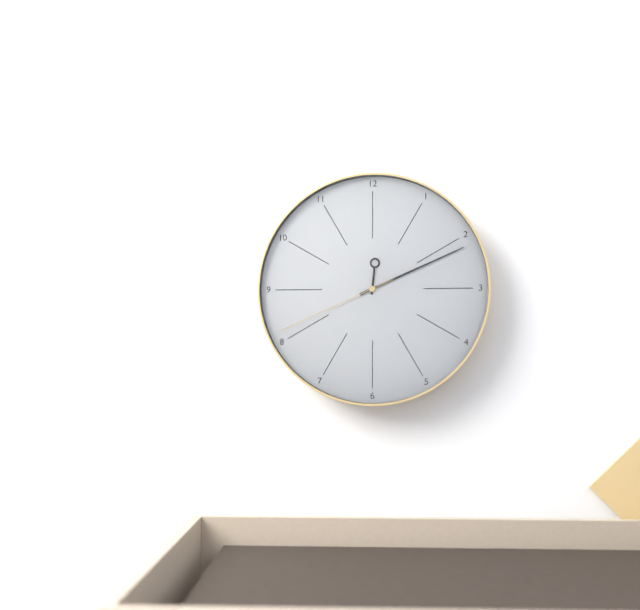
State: 12:11:41
